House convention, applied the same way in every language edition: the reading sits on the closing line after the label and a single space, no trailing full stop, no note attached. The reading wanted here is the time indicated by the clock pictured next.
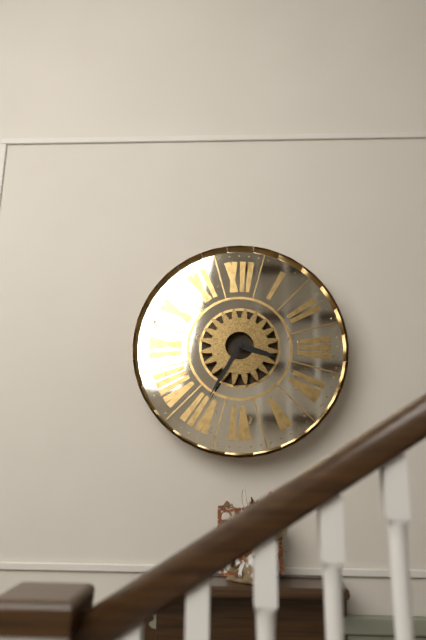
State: 3:35
